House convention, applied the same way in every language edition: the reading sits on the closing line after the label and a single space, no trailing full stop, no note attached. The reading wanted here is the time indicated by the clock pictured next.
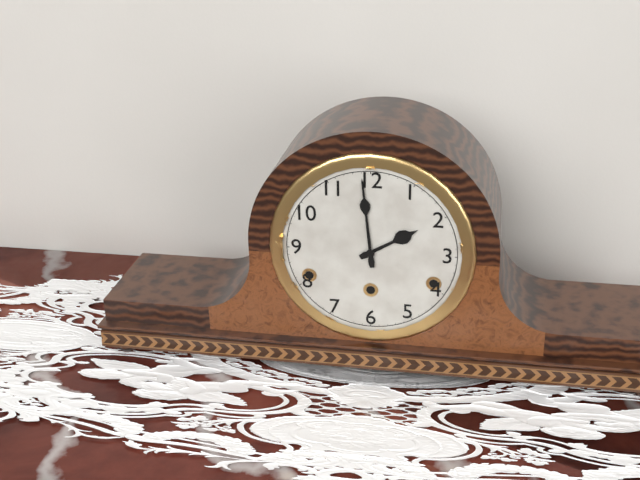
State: 1:59
